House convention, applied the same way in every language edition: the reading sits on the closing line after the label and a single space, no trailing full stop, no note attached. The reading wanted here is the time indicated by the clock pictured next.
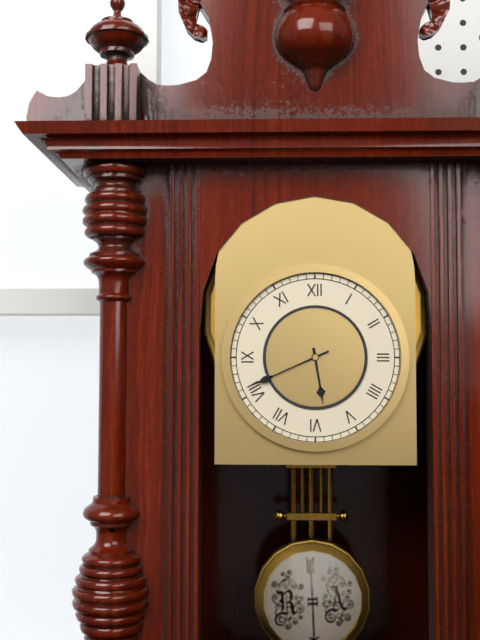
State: 5:41
